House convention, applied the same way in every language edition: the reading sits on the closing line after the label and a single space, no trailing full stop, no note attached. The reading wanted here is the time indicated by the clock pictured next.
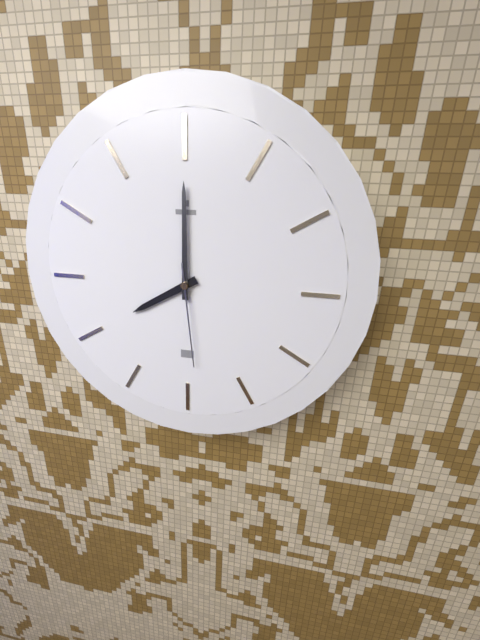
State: 8:00:29
